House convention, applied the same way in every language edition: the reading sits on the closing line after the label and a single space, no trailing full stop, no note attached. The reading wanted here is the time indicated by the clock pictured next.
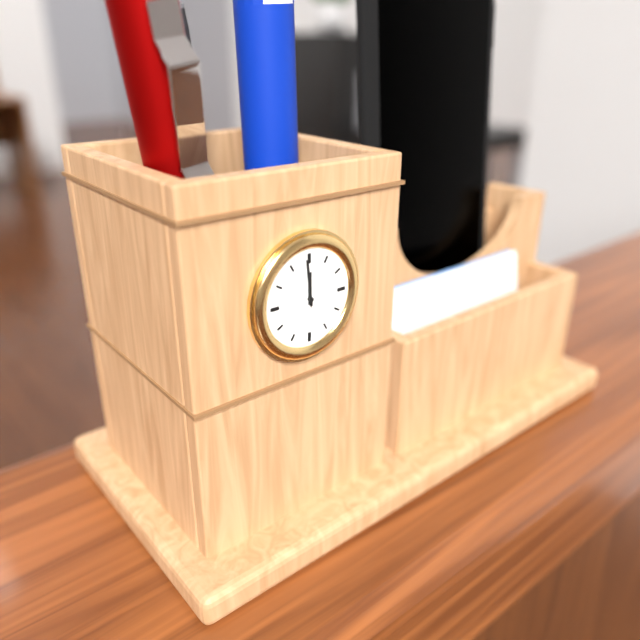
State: 11:59
